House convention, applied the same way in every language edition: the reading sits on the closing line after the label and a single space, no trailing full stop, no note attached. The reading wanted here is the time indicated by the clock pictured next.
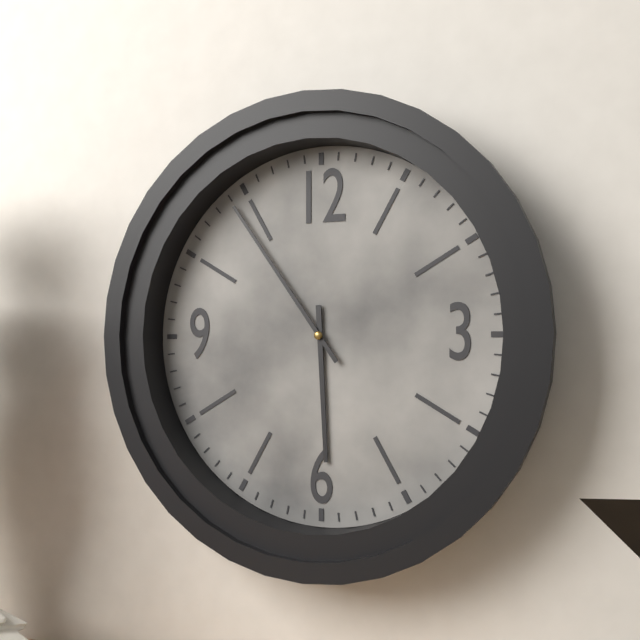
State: 5:54
